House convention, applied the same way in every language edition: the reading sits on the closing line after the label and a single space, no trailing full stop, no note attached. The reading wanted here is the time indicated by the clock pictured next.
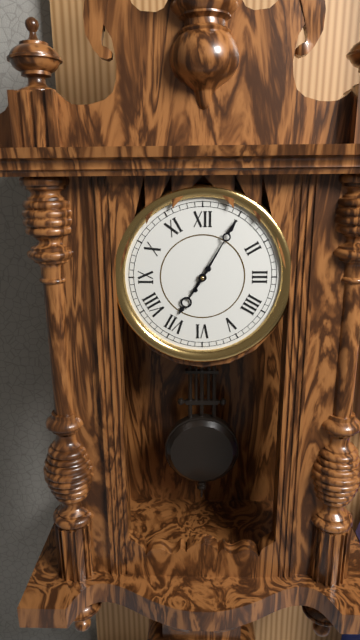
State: 7:05
